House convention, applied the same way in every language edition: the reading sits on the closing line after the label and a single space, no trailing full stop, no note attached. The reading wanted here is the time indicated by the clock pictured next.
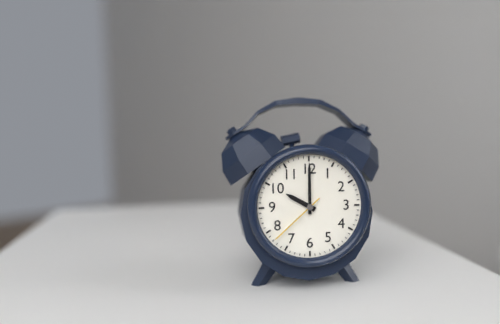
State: 10:00:38
